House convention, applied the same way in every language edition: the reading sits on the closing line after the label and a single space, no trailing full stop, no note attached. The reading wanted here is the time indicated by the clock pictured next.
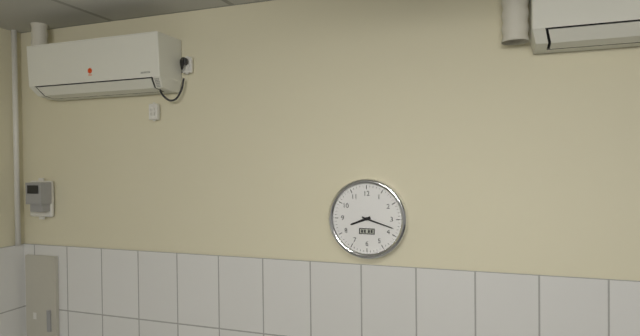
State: 8:18
